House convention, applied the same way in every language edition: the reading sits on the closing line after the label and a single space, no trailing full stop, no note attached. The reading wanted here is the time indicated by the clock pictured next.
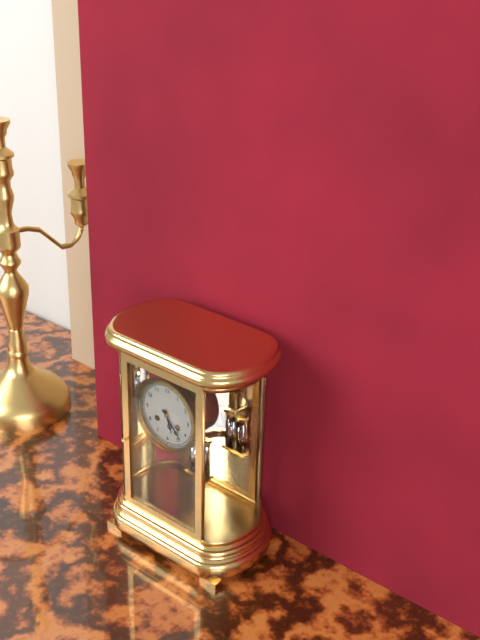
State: 5:23
